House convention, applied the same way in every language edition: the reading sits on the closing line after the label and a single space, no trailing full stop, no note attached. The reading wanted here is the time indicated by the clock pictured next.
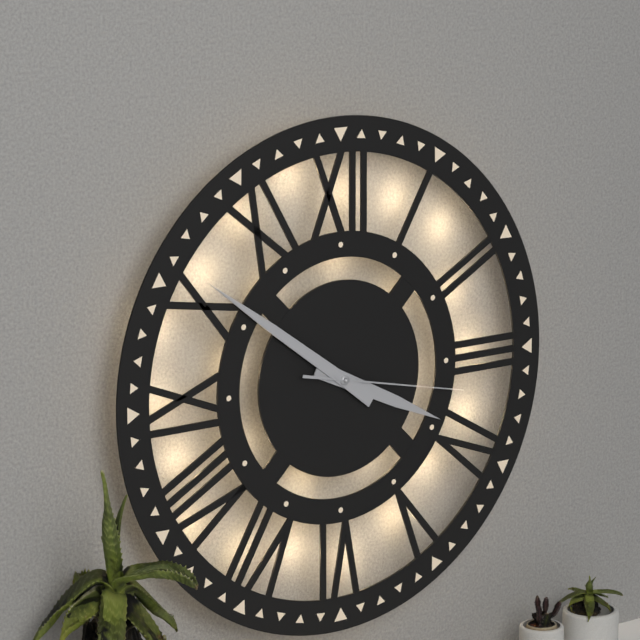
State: 3:51:17
